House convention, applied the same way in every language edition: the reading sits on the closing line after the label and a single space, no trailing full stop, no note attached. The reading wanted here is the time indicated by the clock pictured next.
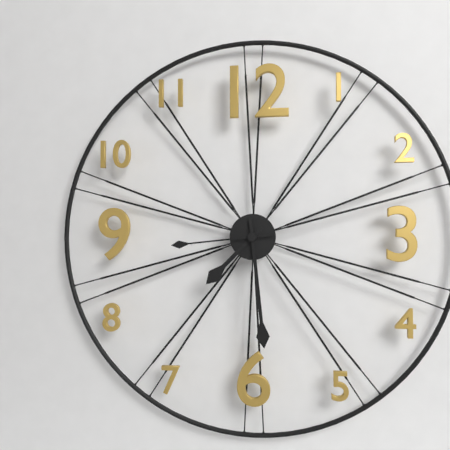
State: 7:29:44
